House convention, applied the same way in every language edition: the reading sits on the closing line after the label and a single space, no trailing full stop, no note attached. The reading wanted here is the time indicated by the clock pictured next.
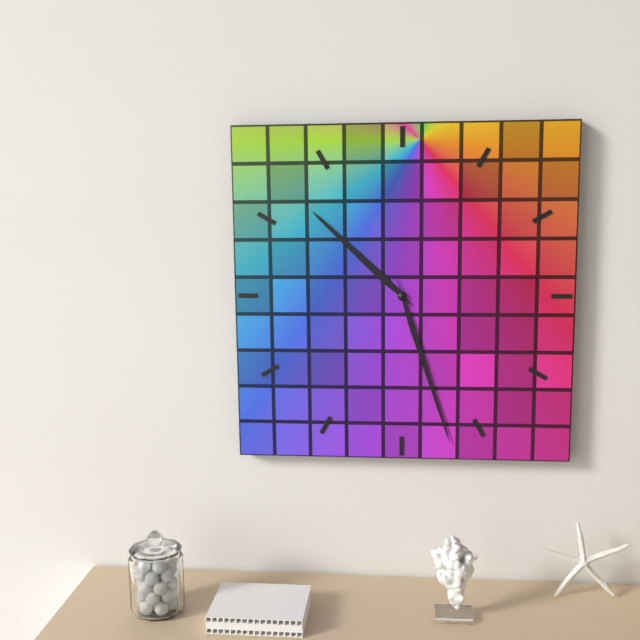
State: 10:27
